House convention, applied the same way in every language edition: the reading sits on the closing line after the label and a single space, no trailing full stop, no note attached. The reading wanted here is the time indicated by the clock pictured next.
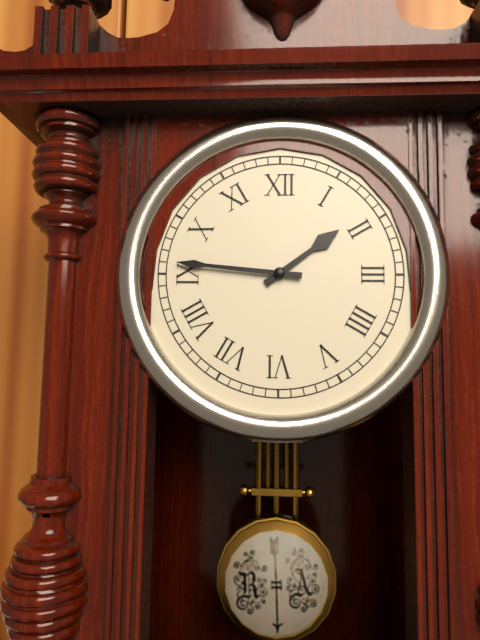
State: 1:46
